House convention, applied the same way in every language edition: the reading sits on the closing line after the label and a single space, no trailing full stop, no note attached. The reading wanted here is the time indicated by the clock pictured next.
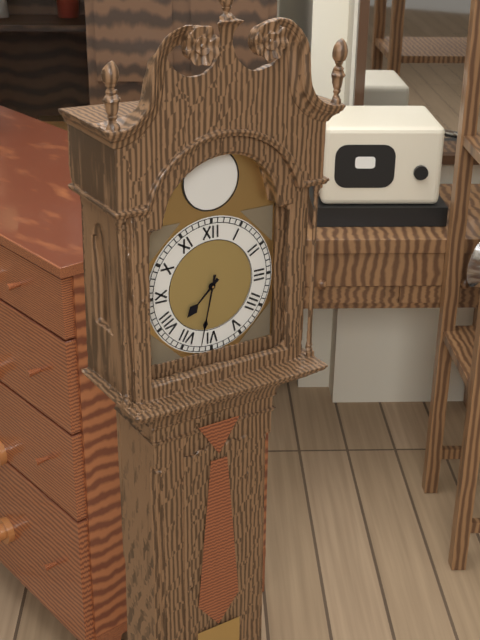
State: 7:32
